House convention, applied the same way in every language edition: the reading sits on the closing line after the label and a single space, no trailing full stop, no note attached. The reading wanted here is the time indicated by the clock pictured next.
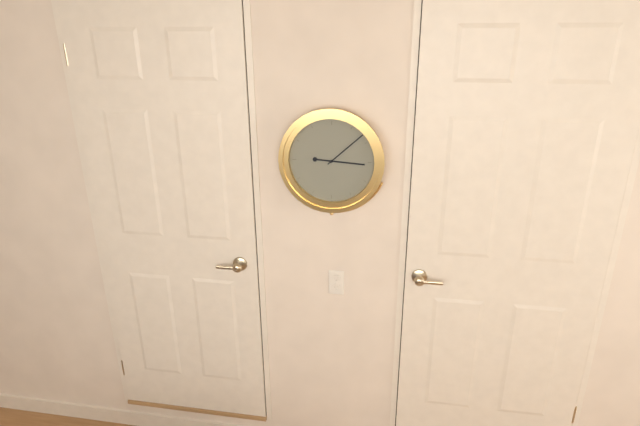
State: 3:08
